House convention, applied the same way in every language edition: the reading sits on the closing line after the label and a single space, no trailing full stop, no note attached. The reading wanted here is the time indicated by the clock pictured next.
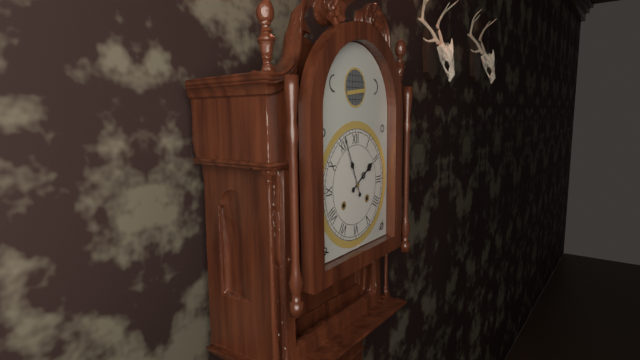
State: 1:56
